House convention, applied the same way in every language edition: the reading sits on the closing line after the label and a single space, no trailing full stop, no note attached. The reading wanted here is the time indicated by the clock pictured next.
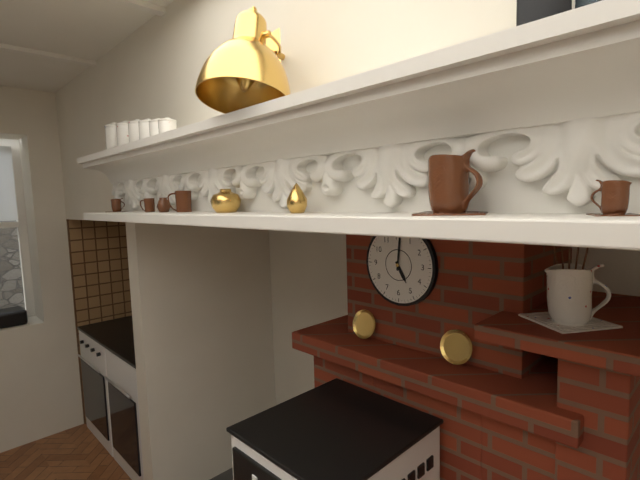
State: 5:01
